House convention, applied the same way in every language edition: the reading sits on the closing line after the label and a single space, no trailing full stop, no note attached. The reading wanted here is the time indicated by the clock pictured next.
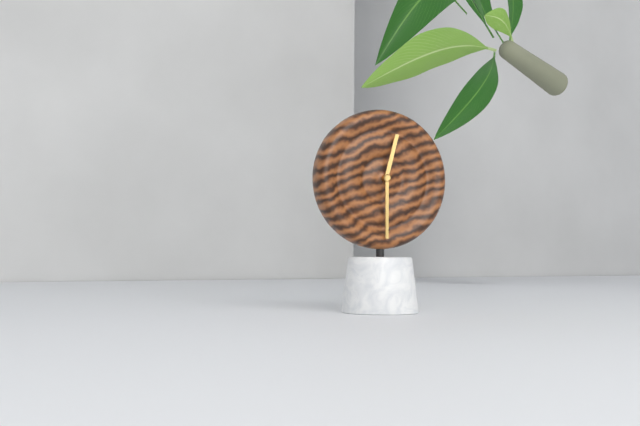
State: 12:30
